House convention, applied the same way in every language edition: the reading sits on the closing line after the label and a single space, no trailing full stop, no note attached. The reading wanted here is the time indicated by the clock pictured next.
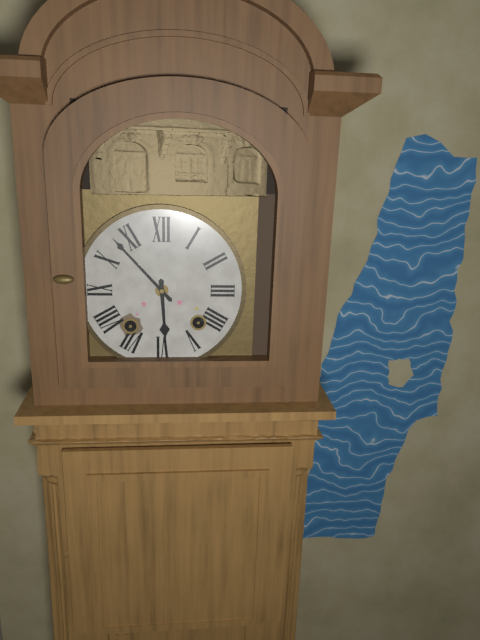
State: 5:53
